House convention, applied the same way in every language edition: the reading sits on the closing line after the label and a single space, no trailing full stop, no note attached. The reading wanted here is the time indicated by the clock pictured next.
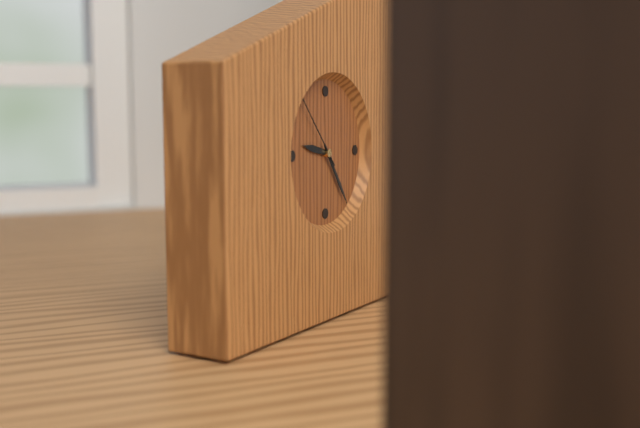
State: 9:24:53
